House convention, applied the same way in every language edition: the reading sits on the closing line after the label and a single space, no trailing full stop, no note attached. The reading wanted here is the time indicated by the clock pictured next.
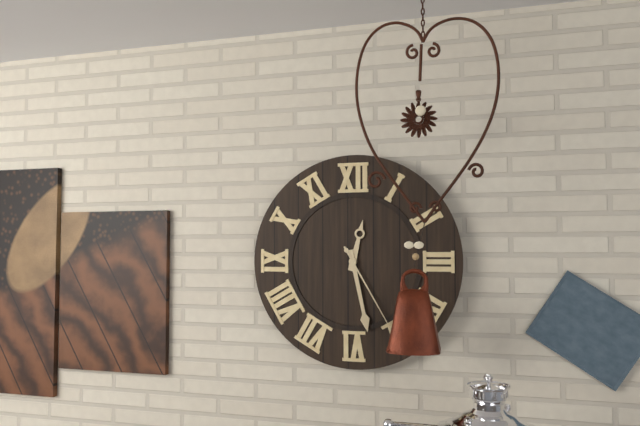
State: 12:28:25
